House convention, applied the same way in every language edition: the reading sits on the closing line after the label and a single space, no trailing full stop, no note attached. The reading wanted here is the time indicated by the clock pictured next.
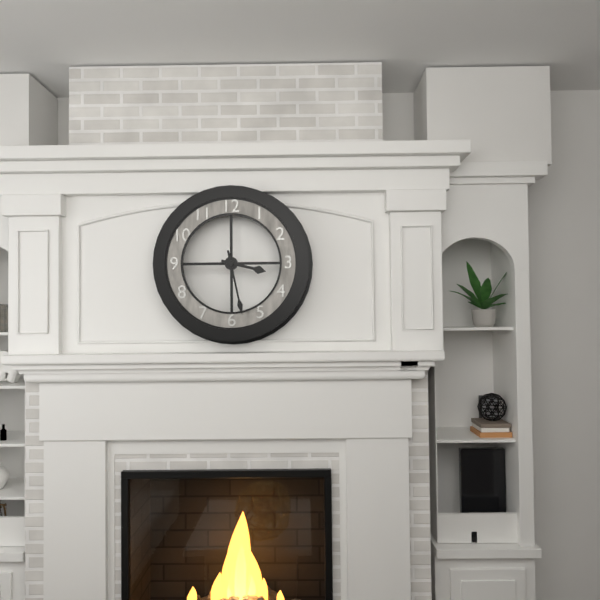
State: 3:28
